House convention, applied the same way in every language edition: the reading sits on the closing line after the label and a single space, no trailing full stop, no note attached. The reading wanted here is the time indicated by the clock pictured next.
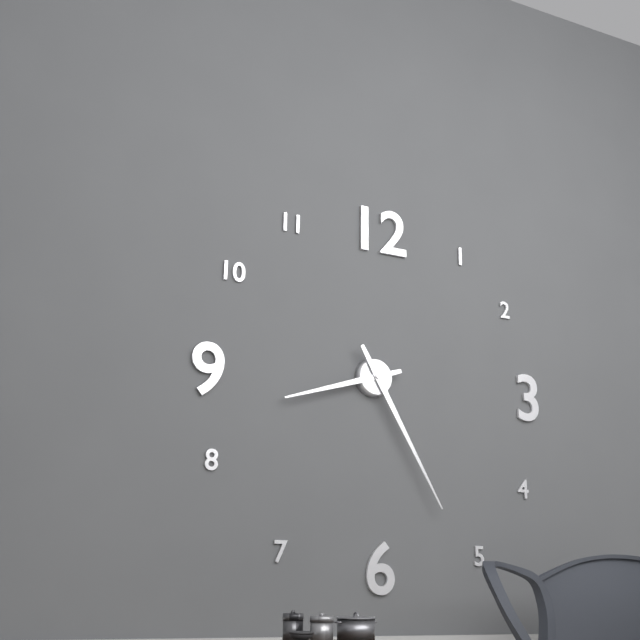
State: 8:25
